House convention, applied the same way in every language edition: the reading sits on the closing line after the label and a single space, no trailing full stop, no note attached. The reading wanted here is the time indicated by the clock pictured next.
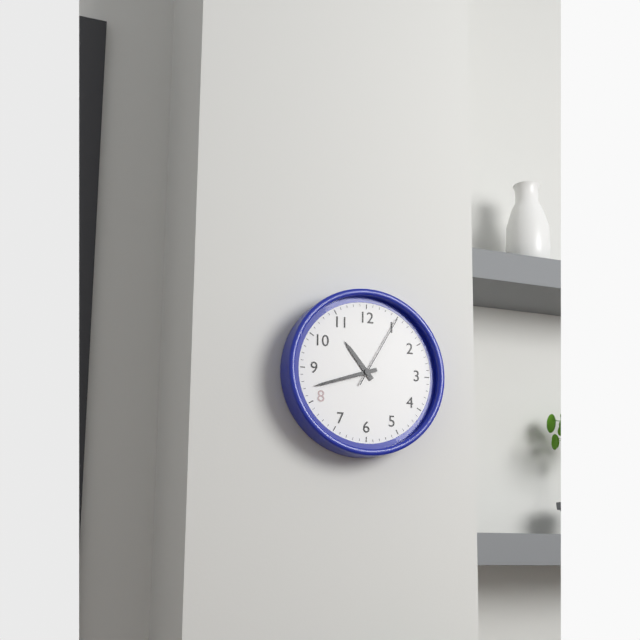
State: 10:42:05
